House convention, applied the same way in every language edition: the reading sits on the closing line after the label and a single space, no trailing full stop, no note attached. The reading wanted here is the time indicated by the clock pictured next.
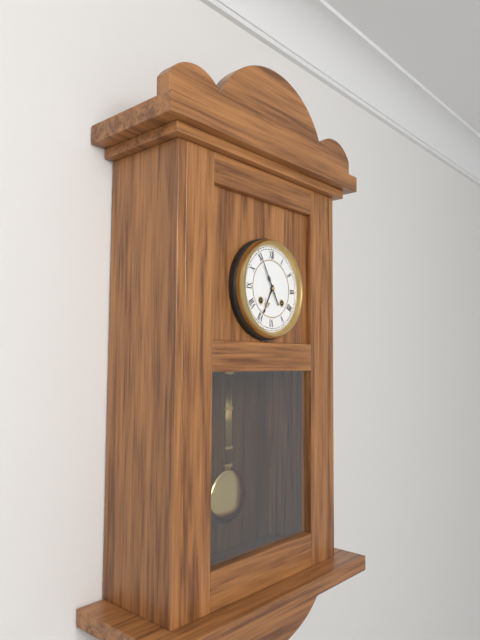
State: 6:55
